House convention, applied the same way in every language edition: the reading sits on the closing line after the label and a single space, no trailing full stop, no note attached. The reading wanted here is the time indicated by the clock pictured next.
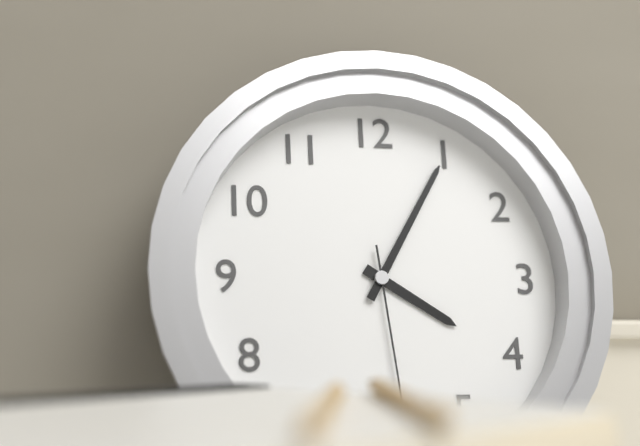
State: 4:05:29
